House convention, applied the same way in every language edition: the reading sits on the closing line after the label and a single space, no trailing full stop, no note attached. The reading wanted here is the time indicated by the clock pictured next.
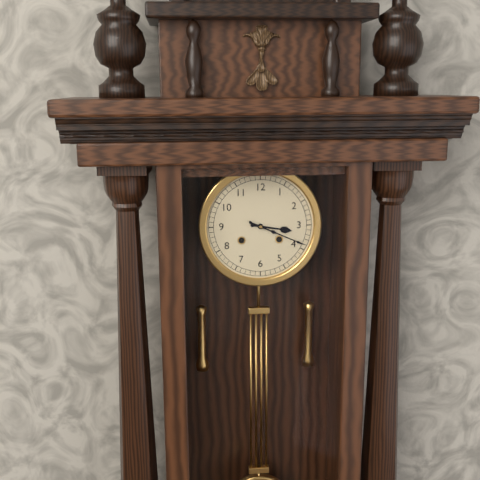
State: 3:19
